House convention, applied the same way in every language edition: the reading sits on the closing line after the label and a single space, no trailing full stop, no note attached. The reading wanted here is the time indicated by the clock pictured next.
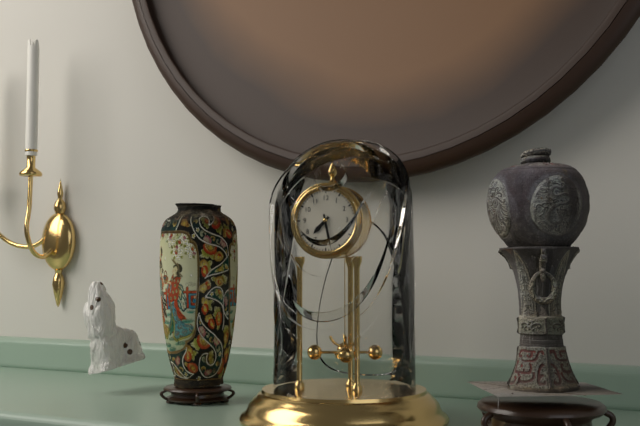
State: 7:28
